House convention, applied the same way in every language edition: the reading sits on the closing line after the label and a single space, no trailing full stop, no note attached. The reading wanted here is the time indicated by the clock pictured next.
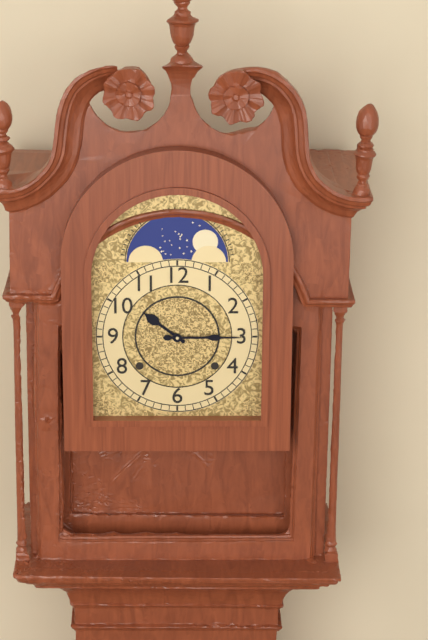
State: 10:15
